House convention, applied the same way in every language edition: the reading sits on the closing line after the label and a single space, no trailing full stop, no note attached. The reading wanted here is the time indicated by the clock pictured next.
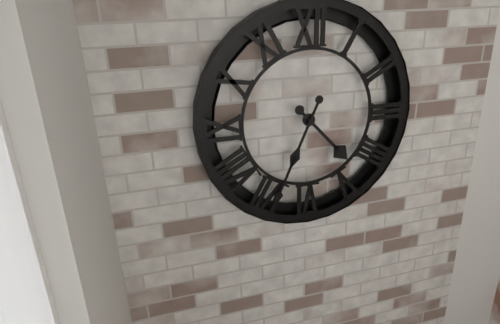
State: 4:34
